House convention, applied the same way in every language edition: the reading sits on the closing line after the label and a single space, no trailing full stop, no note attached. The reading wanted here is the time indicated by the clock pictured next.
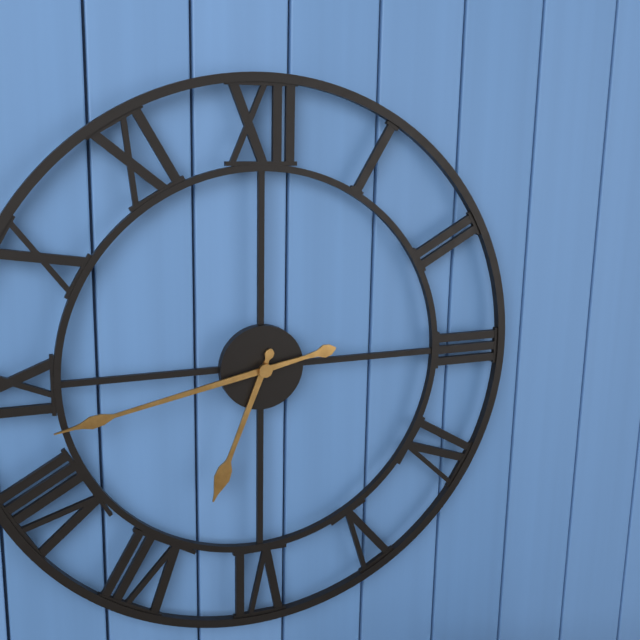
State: 6:43
